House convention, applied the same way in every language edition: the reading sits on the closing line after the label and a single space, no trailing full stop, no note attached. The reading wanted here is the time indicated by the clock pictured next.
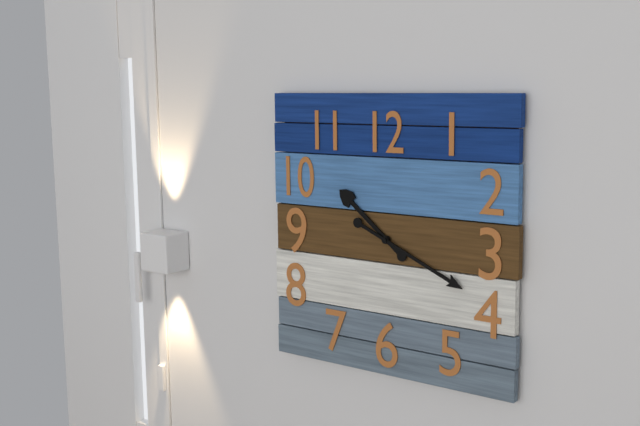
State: 10:19
